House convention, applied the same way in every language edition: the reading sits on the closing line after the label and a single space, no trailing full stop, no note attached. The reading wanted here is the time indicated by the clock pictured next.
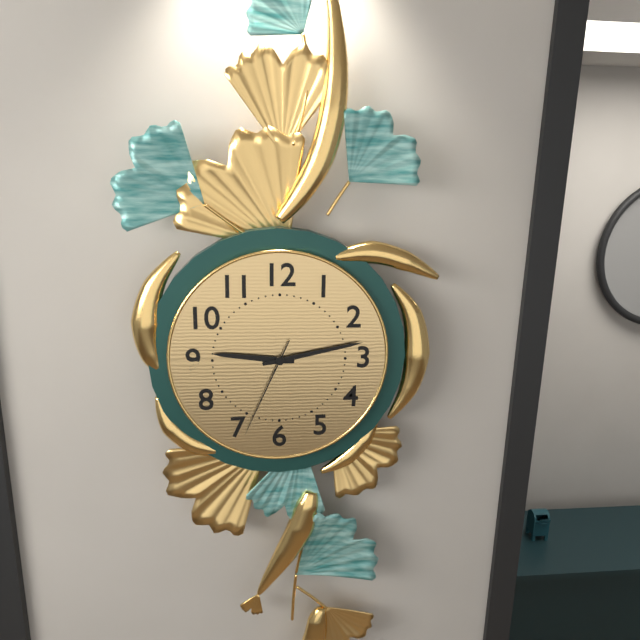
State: 9:13:34
